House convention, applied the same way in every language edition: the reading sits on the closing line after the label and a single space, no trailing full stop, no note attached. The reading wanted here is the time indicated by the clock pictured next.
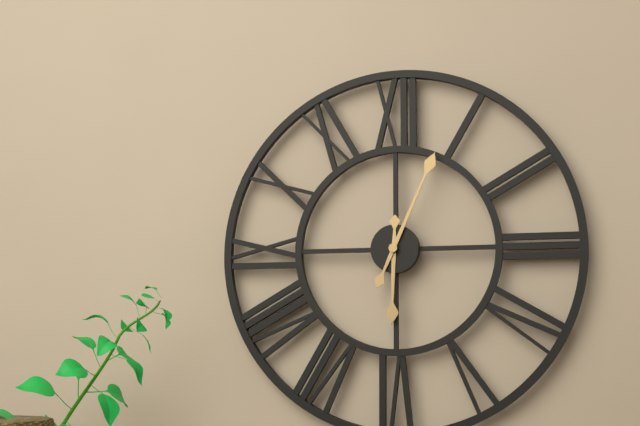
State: 6:04
